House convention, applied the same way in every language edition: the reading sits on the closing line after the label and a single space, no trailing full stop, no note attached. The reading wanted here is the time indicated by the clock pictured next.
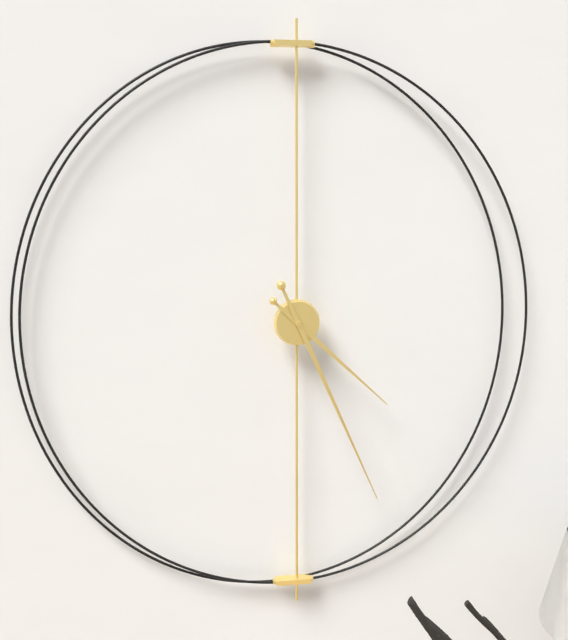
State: 4:26
